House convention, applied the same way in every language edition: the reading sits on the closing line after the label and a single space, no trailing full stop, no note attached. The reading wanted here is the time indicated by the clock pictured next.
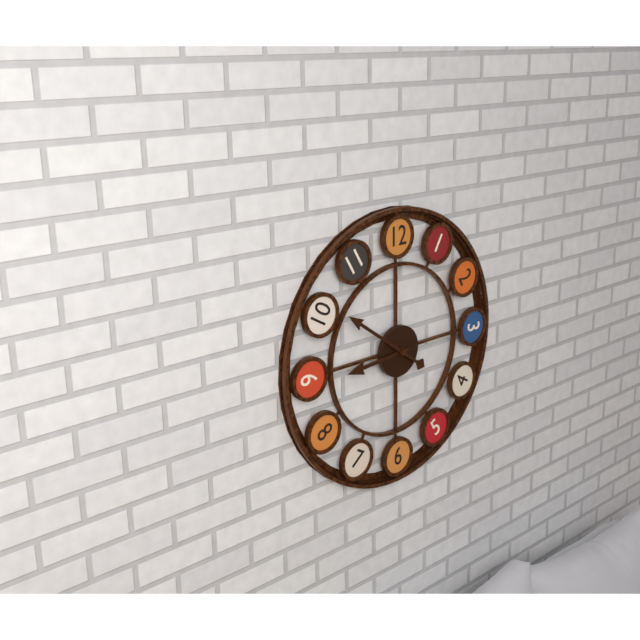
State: 8:51
